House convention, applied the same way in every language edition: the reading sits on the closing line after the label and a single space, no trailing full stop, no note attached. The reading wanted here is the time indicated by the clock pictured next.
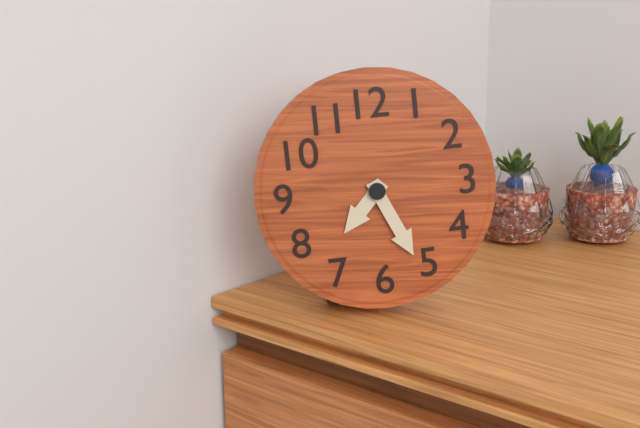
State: 7:26
